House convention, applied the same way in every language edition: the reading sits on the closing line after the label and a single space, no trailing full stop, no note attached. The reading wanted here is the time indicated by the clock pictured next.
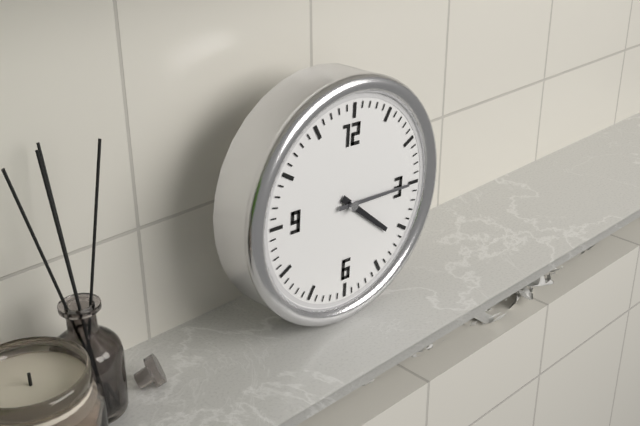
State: 4:15
